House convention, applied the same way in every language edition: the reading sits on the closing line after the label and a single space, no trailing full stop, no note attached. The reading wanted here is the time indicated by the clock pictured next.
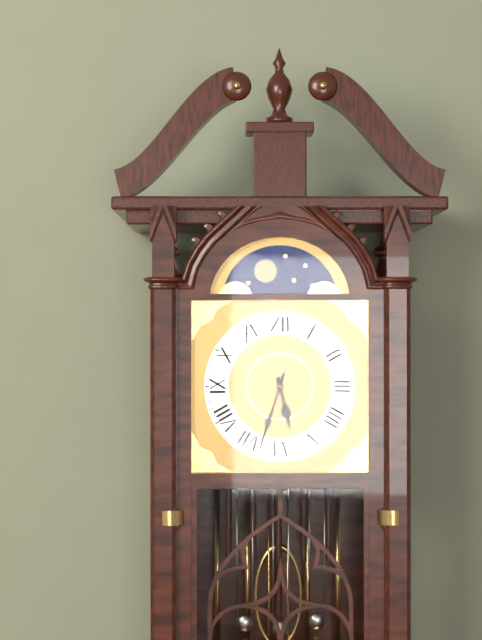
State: 5:33
